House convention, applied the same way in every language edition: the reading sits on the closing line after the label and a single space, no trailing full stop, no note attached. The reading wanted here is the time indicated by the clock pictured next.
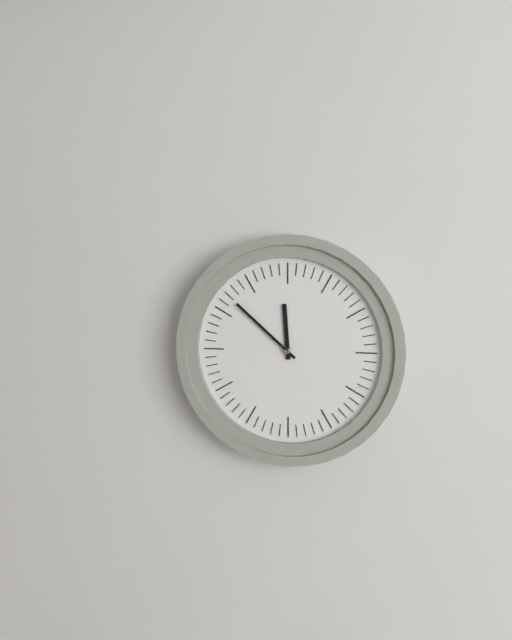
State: 11:52
